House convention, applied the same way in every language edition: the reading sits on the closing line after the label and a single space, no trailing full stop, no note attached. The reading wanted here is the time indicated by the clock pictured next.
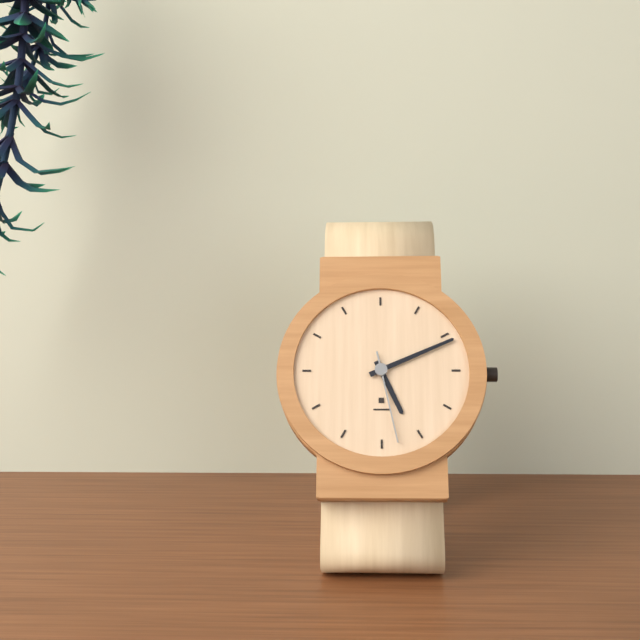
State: 5:11:28
